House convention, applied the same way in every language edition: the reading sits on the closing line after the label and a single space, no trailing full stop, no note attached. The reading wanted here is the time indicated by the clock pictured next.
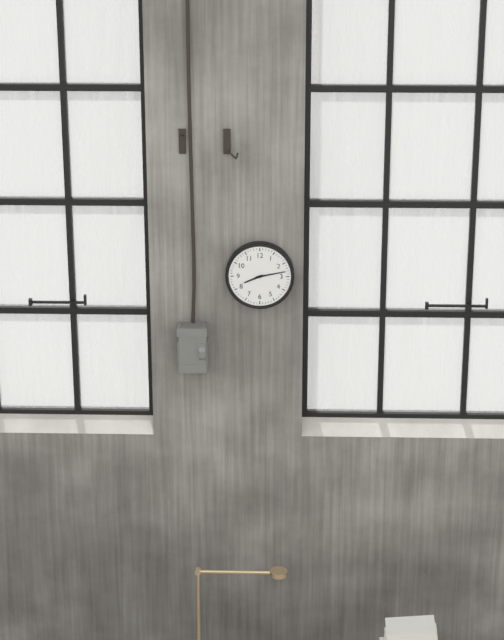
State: 8:13
